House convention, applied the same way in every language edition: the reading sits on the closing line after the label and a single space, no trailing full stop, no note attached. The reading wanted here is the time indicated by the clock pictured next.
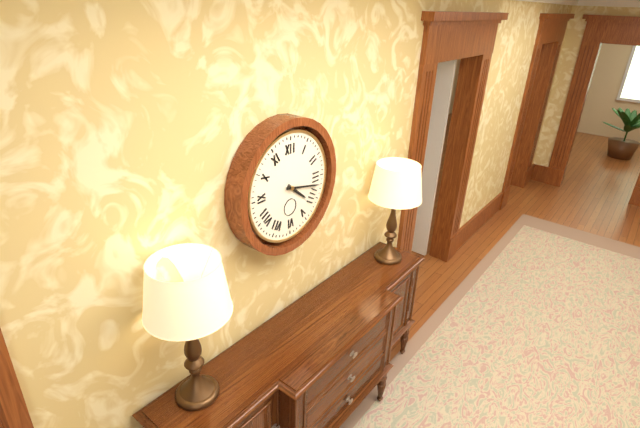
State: 4:17
